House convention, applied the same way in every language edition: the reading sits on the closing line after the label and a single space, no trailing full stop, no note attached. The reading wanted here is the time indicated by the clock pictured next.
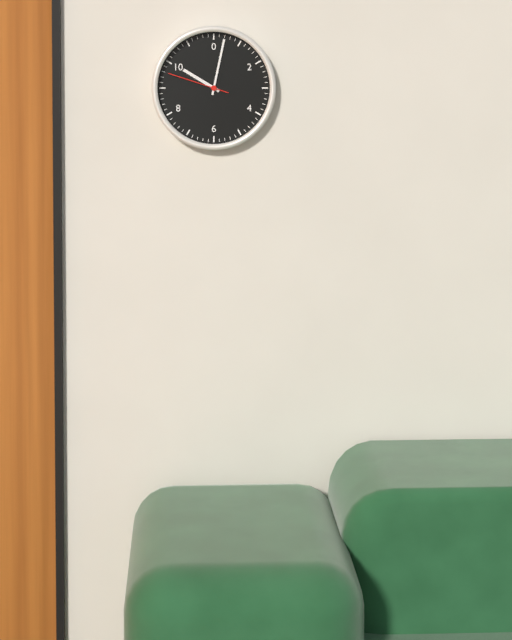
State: 10:02:48
